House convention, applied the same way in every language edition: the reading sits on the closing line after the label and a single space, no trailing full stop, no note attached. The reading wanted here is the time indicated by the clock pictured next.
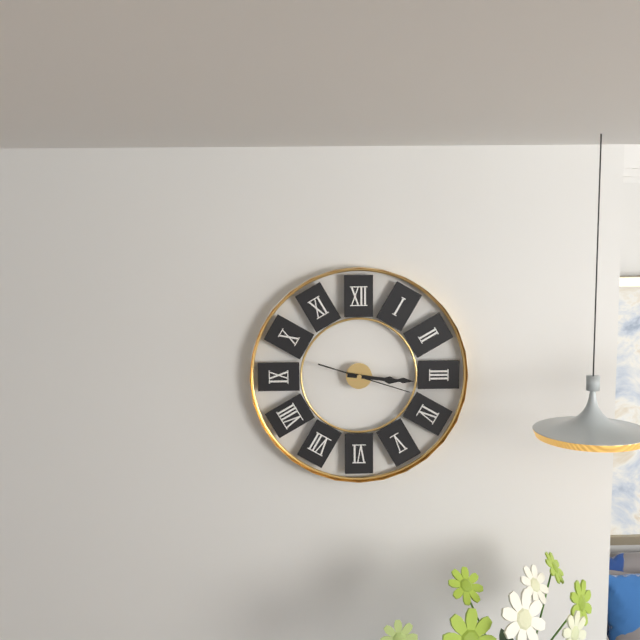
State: 3:16:18
